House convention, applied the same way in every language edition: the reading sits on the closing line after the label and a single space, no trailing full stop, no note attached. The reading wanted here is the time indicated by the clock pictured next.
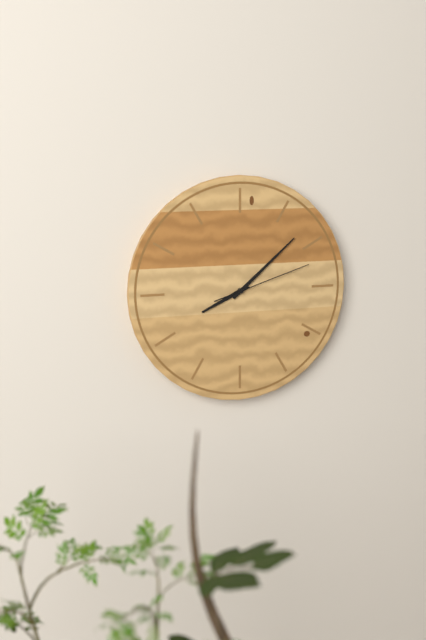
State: 8:08:12
